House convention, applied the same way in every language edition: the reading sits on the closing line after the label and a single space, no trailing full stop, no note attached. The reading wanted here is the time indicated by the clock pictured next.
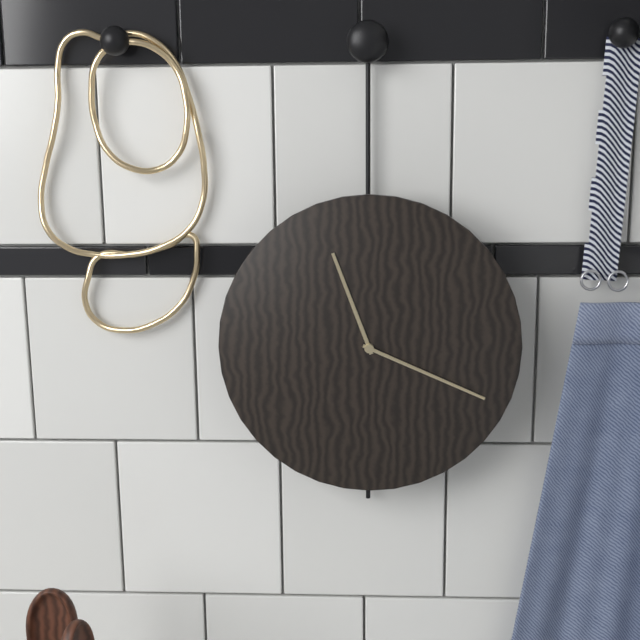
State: 11:19
